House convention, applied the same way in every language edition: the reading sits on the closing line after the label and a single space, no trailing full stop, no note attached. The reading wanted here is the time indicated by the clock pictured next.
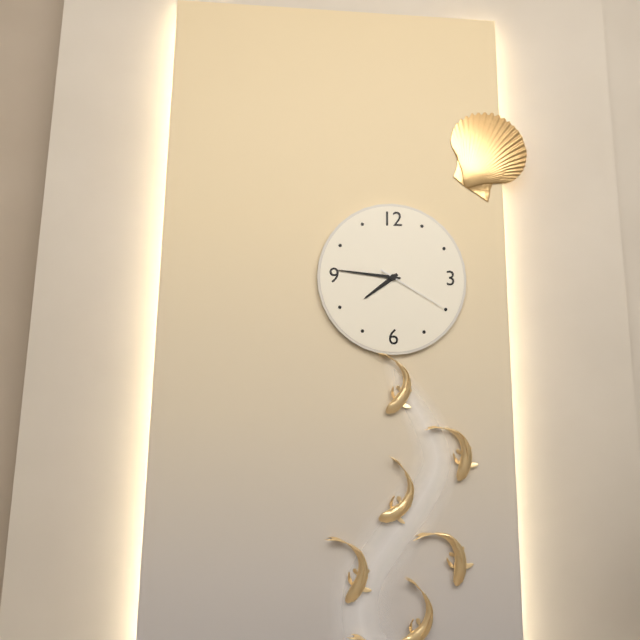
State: 7:46:20
